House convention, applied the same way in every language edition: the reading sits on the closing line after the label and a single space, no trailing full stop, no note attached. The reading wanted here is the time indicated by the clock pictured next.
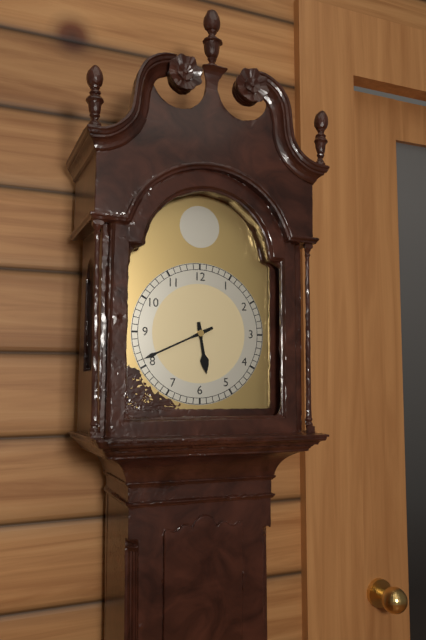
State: 5:41
